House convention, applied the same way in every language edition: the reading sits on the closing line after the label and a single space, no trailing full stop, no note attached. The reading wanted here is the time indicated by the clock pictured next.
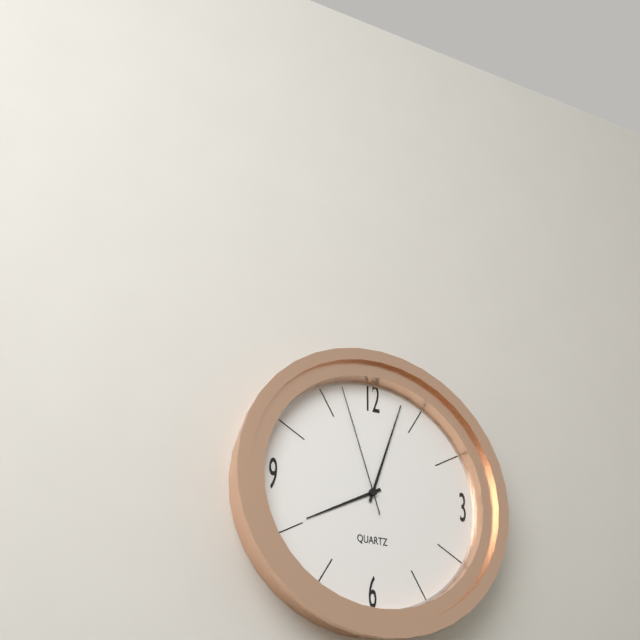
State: 8:03:57
